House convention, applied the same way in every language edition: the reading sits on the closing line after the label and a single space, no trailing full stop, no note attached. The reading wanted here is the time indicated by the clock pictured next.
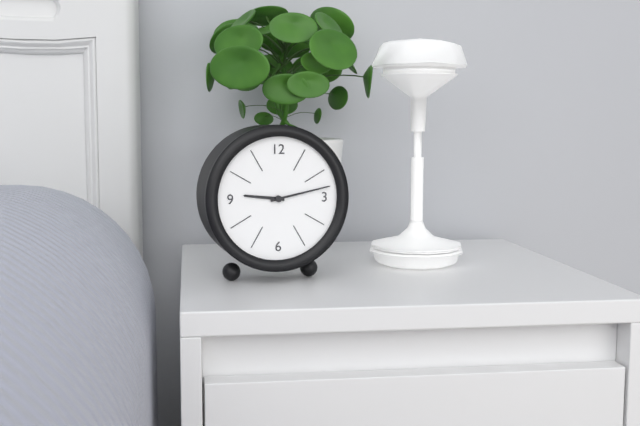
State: 9:13
